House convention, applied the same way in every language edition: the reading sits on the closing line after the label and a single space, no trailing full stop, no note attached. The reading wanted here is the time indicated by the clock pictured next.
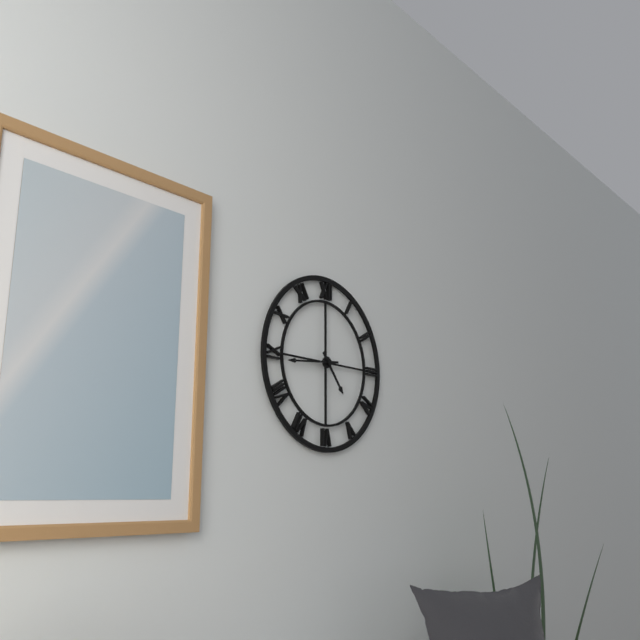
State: 4:44
